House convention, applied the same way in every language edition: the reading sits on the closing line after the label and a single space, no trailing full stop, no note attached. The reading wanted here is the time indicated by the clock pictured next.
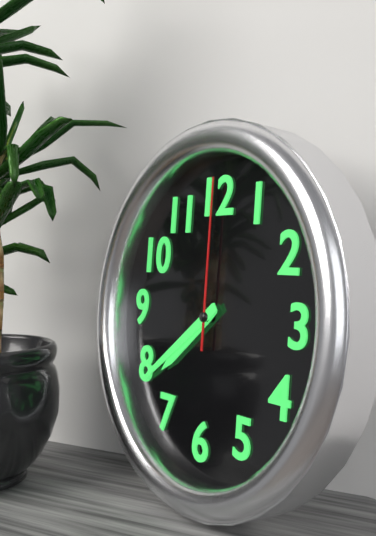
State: 7:39:00
